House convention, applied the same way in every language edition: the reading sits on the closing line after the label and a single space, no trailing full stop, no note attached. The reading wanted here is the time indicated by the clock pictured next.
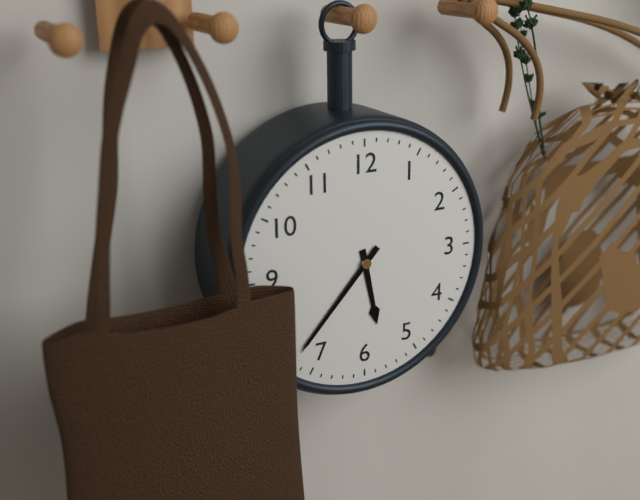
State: 5:37
